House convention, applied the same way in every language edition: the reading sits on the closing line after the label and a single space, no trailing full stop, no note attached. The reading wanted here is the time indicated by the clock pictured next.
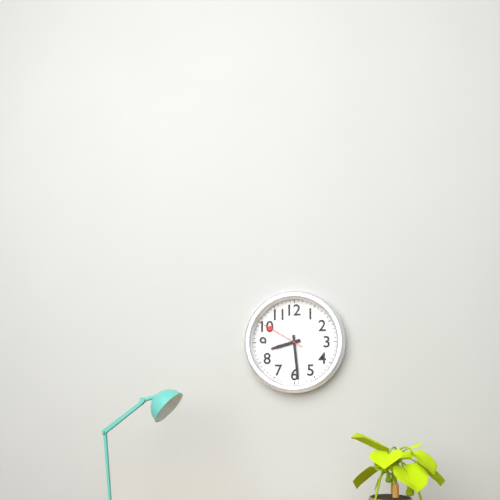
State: 8:29
